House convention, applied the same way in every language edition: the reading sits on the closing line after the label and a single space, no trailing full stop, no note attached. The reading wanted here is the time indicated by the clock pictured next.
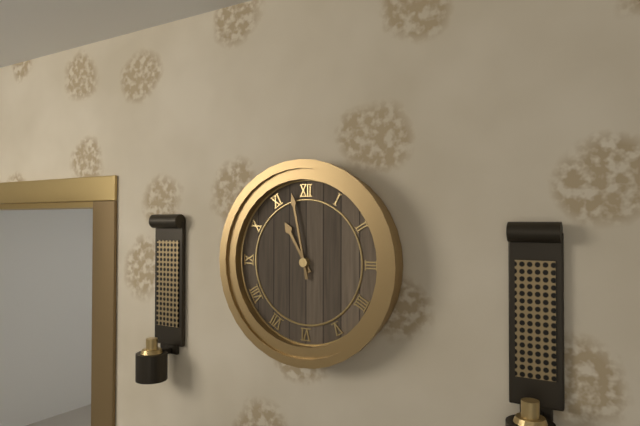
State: 10:58
